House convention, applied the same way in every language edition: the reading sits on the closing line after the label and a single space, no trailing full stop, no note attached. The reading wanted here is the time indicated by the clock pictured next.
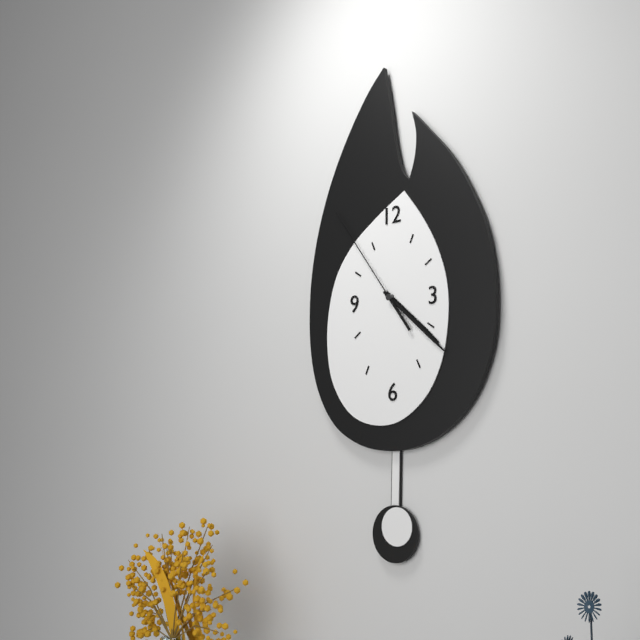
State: 4:22:54
